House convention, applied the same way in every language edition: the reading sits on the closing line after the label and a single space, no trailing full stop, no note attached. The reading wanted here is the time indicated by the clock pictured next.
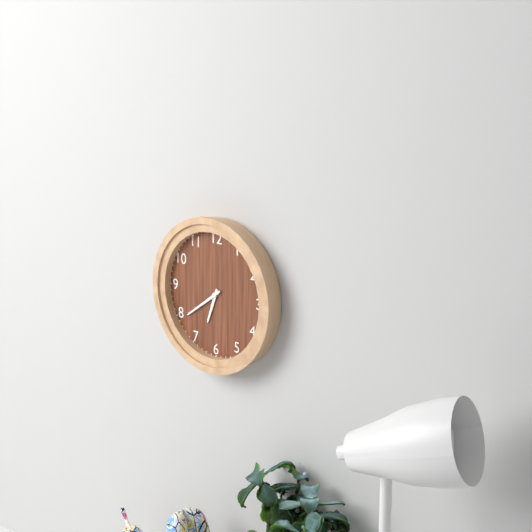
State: 6:39
